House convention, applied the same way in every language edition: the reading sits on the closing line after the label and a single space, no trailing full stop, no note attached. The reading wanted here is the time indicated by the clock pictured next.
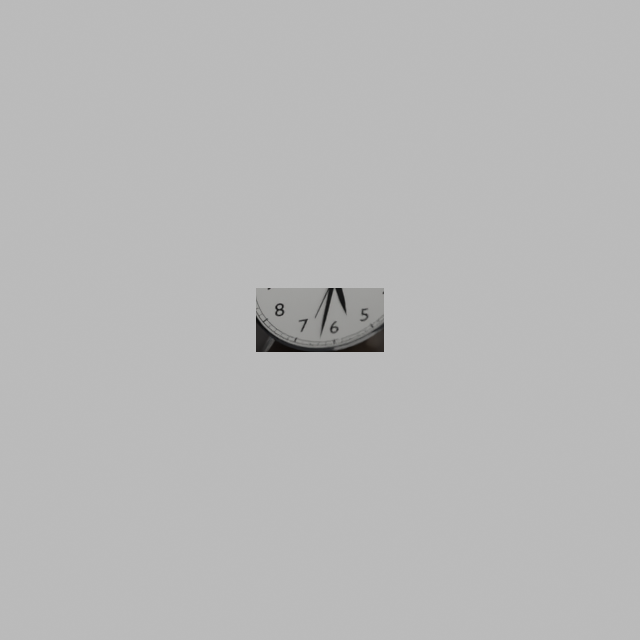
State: 5:32:34
